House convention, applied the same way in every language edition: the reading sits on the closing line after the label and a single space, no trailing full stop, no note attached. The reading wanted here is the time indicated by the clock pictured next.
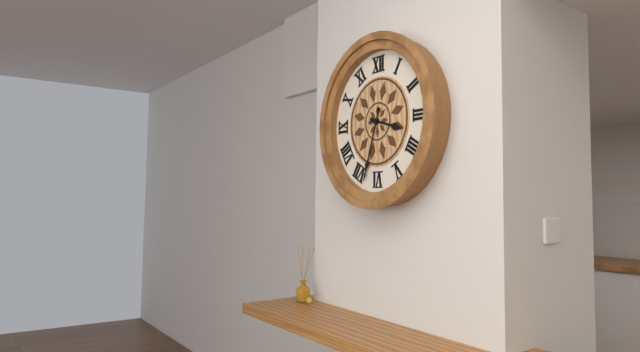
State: 3:33
